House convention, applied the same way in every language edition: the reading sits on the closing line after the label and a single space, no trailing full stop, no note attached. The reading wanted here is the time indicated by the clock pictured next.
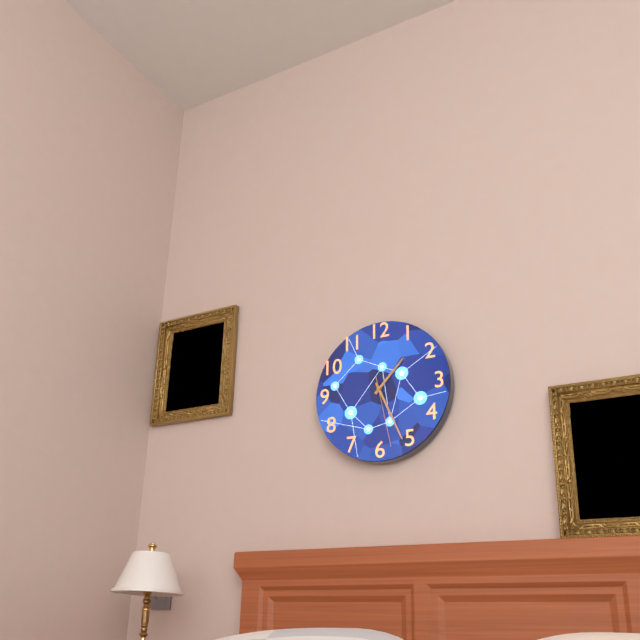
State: 1:26:28
